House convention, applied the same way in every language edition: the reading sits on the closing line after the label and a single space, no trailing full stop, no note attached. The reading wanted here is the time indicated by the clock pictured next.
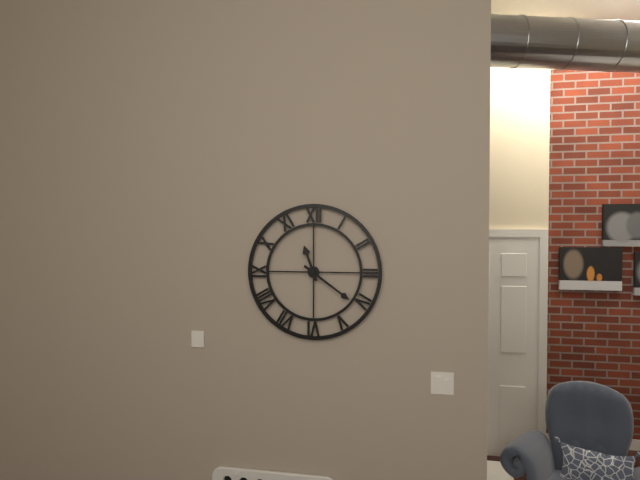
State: 11:21
